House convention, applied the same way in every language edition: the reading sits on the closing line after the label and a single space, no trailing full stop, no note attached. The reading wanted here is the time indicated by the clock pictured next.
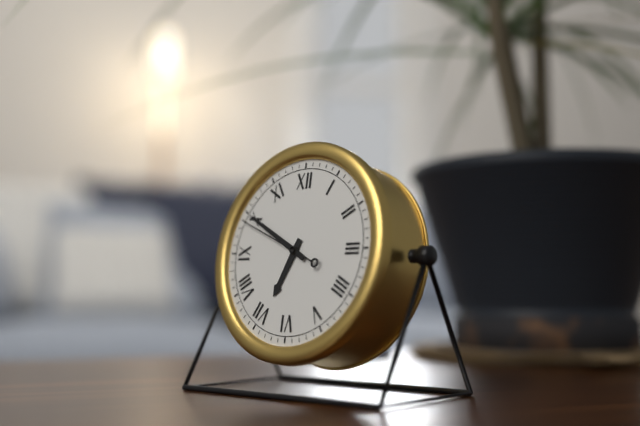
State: 6:50:49
